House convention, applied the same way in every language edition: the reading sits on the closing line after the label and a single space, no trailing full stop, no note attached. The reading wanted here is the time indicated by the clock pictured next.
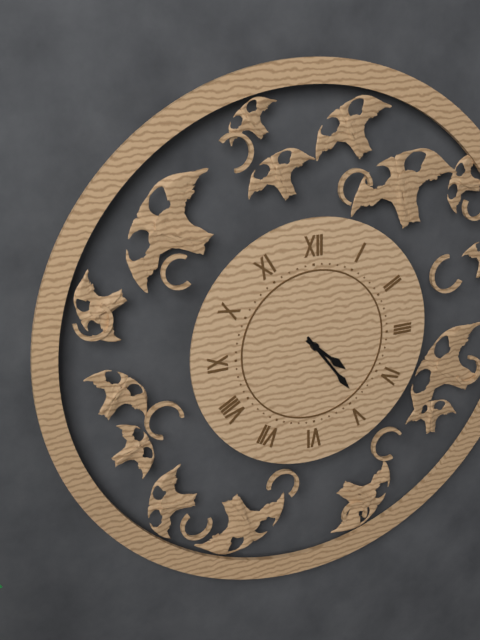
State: 4:24
